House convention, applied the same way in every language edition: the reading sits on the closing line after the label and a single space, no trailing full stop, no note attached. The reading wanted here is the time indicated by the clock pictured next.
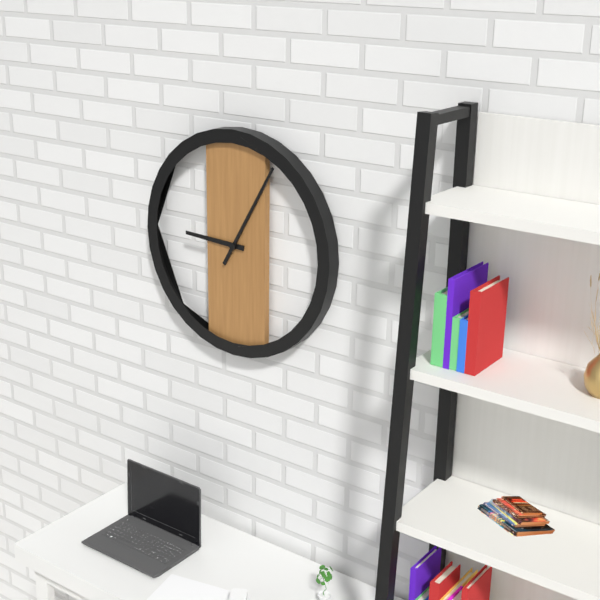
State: 9:05
